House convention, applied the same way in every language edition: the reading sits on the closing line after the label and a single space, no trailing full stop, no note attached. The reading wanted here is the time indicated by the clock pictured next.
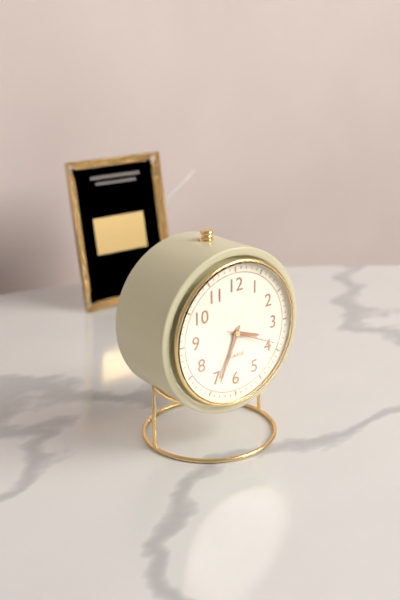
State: 3:34:19
